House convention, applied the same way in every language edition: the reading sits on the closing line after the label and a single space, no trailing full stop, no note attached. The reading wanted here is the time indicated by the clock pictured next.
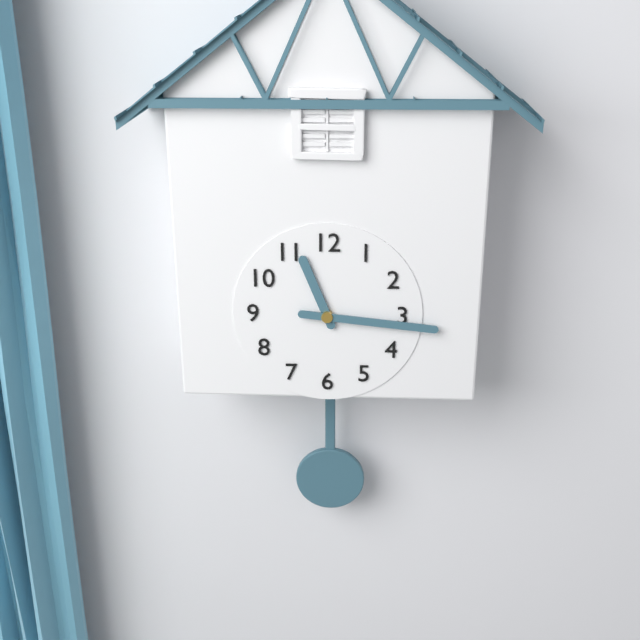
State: 11:16
